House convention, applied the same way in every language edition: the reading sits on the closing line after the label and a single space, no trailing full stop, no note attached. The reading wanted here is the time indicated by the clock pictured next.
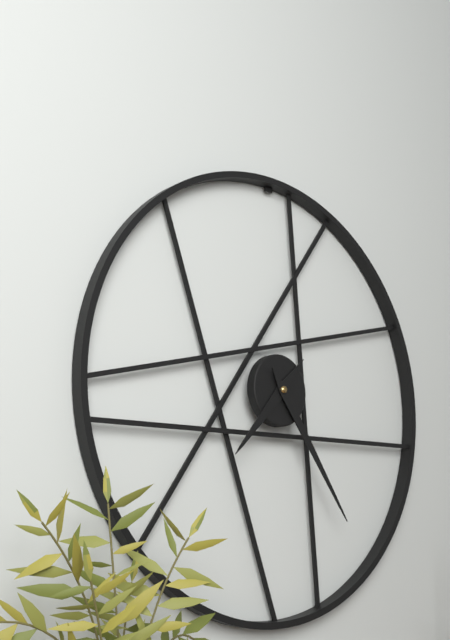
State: 7:24
